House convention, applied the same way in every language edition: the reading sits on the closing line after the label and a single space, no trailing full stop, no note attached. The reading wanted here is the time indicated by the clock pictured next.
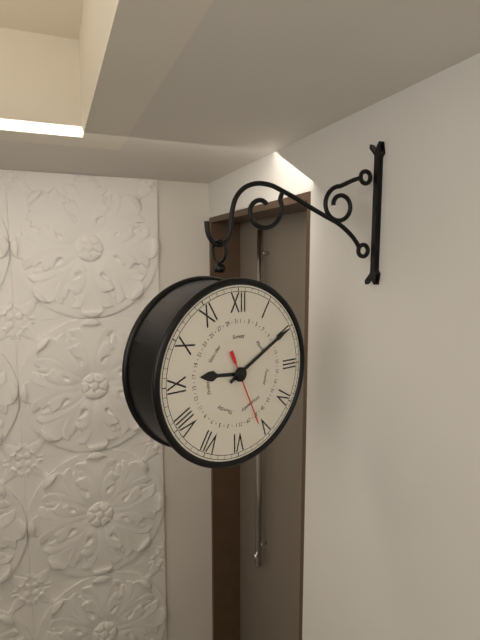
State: 9:10:26
